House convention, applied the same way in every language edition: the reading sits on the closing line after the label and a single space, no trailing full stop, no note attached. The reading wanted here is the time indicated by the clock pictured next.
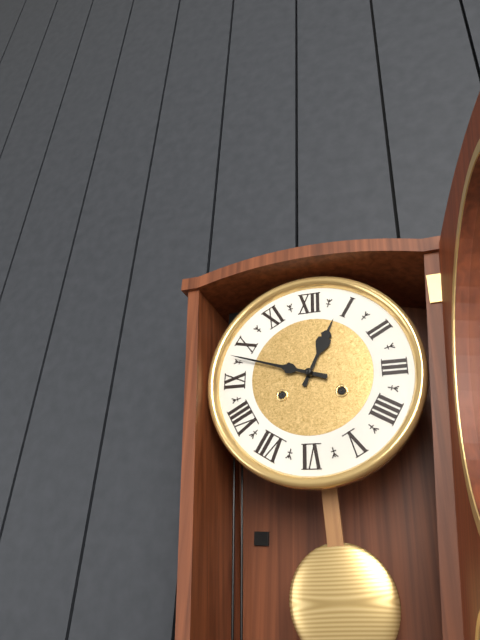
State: 12:48
